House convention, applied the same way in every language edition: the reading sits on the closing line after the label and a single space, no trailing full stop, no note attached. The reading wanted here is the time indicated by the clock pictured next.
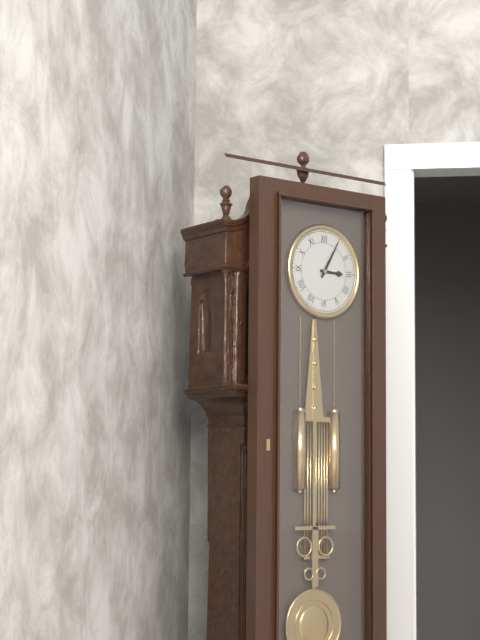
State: 3:05
